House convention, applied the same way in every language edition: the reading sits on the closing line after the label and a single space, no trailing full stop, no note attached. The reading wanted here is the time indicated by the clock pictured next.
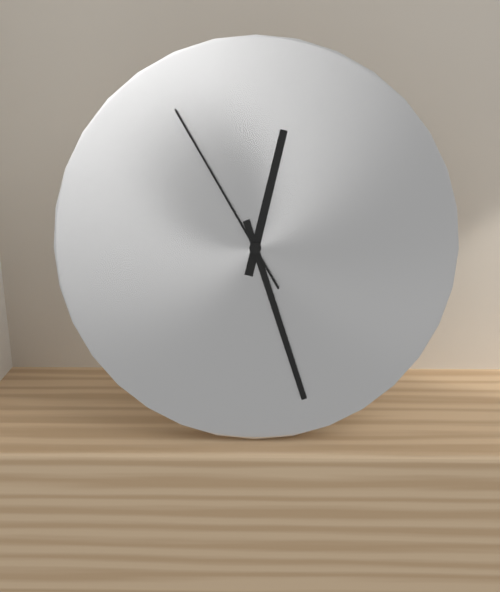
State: 12:27:55
